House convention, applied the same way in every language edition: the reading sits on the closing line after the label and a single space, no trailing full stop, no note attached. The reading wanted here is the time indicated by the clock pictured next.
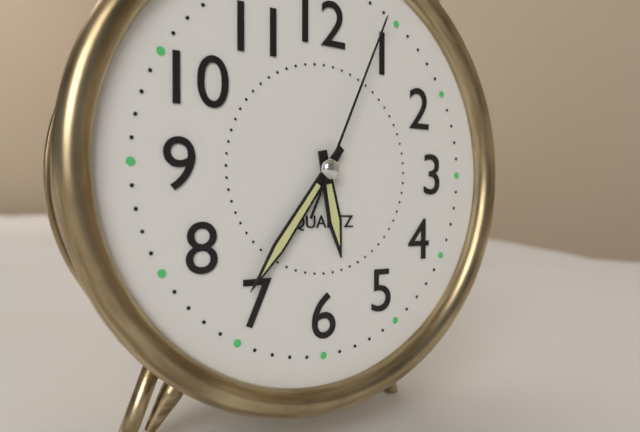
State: 5:36:04
